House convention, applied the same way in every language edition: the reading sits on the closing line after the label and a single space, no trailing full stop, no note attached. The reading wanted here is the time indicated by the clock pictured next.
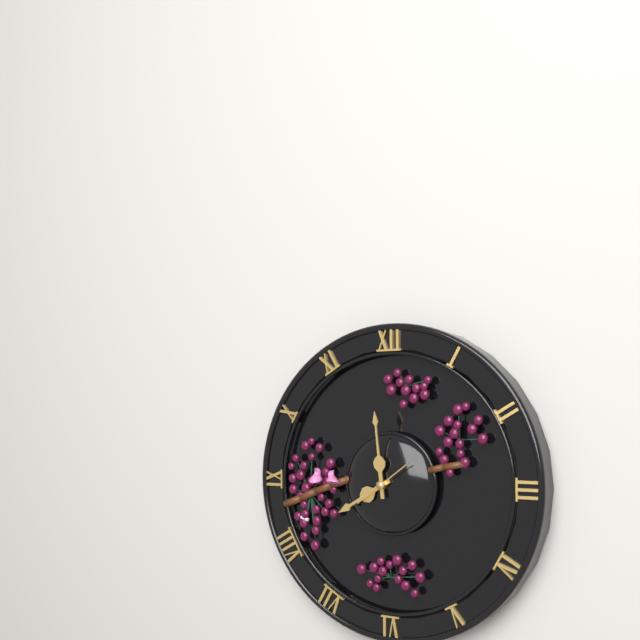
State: 7:59
